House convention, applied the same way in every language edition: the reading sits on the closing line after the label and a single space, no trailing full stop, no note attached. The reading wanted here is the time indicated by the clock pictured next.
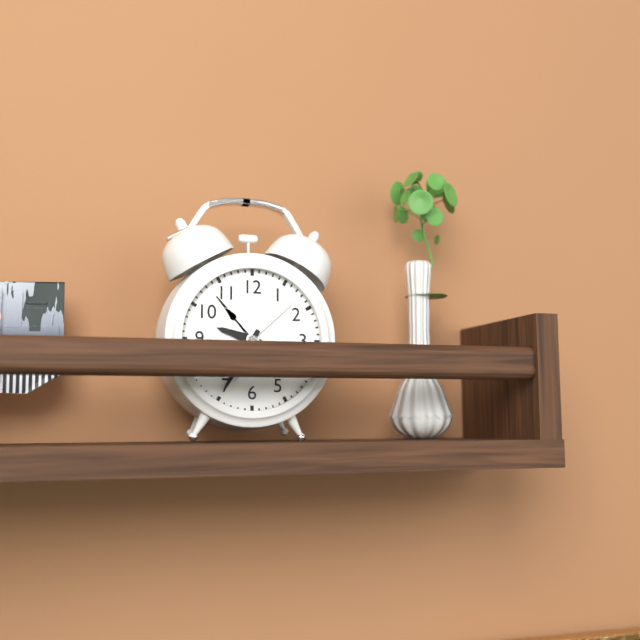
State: 9:35
